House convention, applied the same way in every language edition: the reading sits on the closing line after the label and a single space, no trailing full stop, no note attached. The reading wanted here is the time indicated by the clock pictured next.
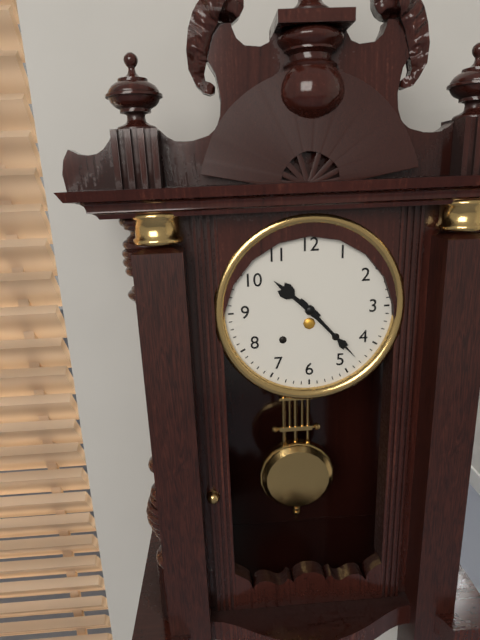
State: 10:23
